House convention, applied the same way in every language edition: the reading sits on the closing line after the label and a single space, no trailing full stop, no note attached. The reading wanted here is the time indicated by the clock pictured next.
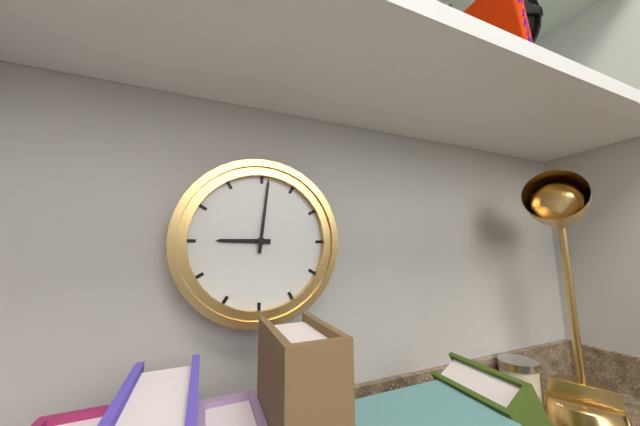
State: 9:01
